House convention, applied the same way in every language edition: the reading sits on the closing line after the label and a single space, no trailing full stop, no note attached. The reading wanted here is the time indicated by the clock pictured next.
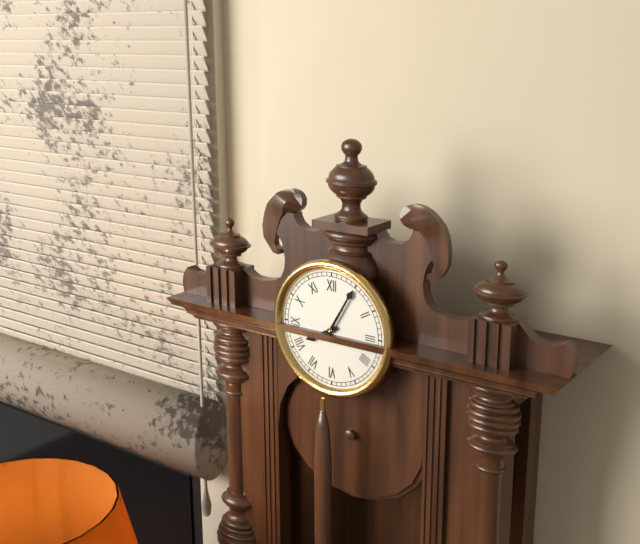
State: 8:05
